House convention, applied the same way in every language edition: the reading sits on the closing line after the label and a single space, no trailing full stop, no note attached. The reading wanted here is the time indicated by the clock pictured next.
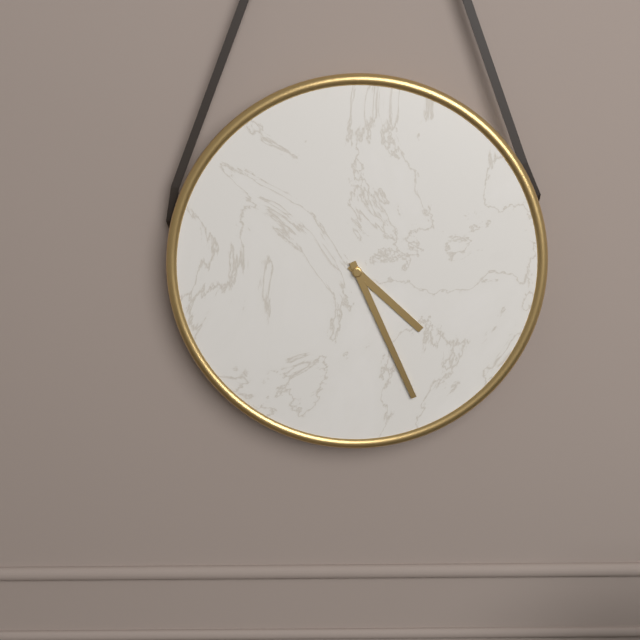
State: 4:26
